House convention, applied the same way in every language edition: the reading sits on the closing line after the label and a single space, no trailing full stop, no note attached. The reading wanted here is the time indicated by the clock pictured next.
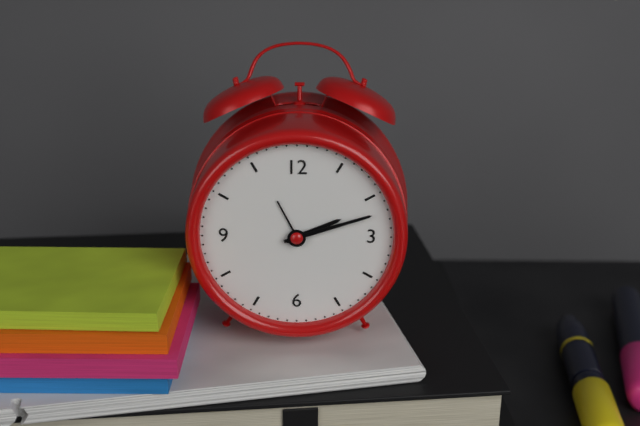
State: 2:12
